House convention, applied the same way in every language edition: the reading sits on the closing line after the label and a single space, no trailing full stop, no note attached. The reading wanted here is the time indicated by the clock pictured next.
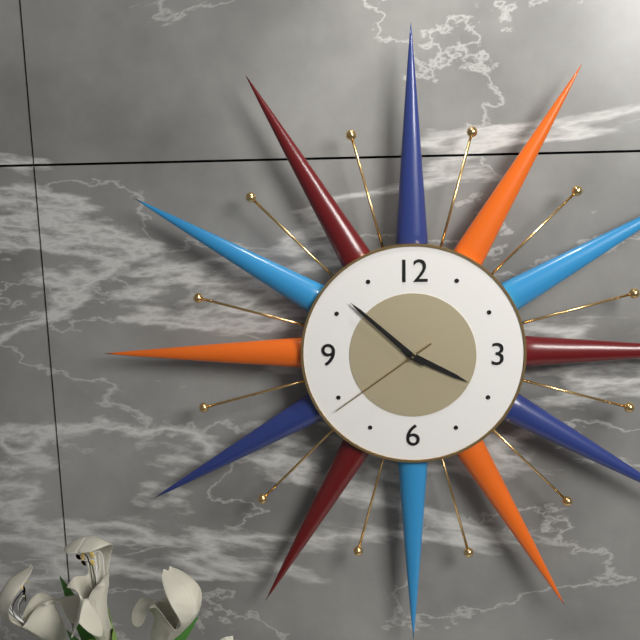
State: 3:52:39
